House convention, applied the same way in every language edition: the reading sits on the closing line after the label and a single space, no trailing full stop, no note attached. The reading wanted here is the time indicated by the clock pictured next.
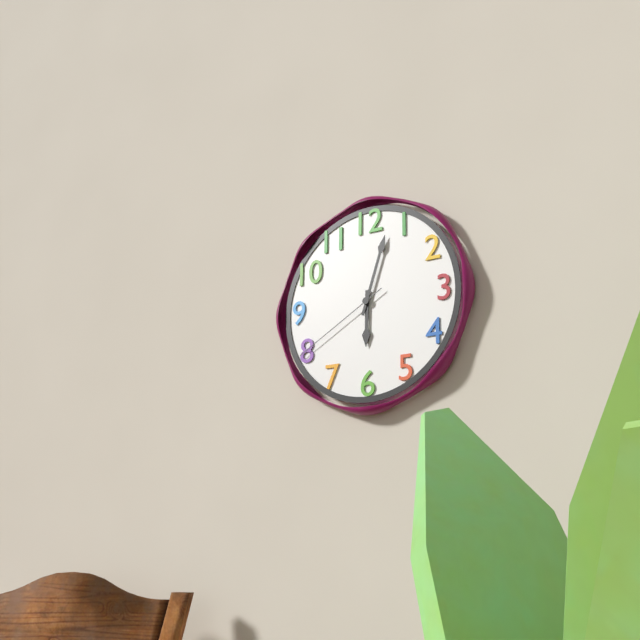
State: 6:03:40
